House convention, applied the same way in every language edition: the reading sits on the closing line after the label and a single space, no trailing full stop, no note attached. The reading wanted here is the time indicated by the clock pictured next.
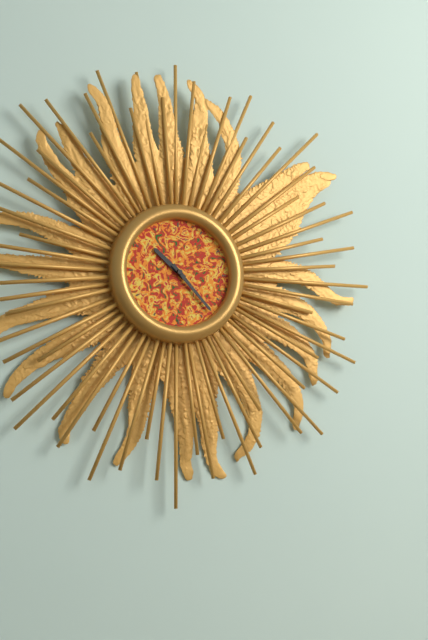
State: 10:23
